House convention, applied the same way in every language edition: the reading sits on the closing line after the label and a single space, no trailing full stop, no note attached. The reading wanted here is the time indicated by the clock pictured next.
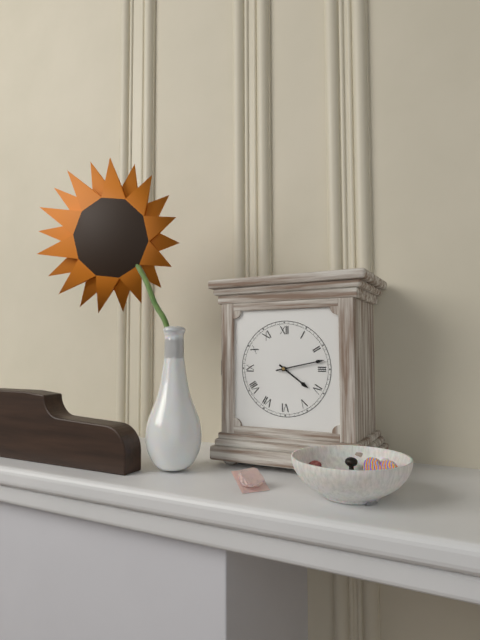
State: 4:13
